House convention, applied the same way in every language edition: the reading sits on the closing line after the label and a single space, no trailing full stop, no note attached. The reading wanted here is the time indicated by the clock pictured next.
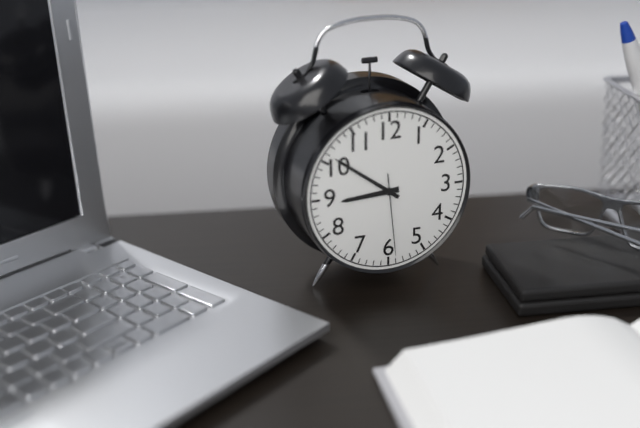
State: 8:51:29
